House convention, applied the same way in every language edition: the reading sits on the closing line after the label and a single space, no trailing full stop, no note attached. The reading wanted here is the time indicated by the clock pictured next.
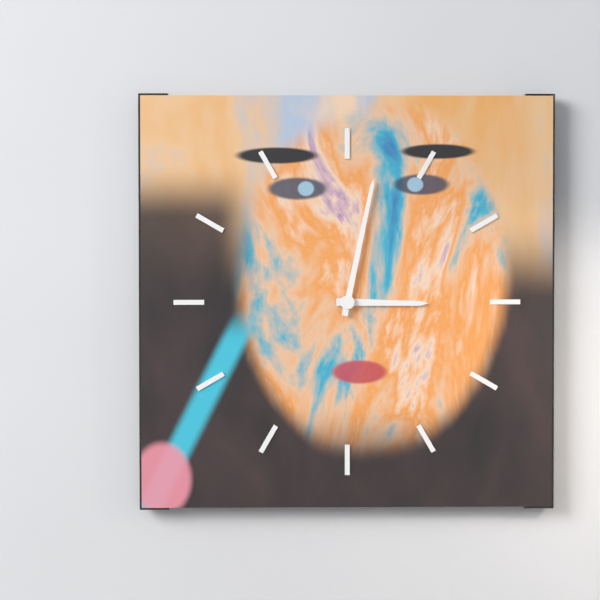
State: 3:02
